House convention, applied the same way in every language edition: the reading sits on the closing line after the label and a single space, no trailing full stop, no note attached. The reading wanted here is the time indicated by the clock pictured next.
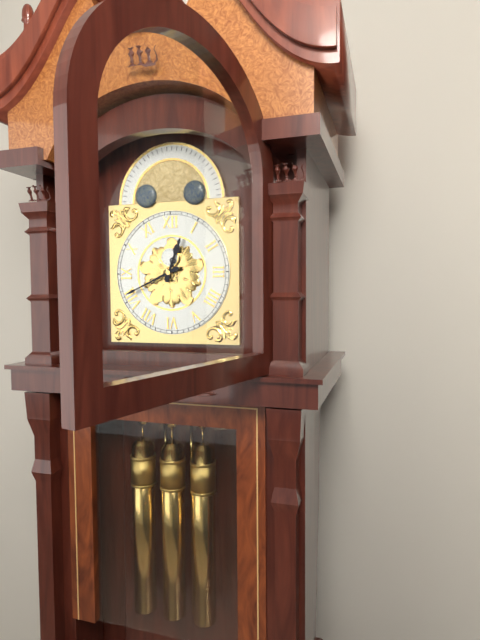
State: 12:41
